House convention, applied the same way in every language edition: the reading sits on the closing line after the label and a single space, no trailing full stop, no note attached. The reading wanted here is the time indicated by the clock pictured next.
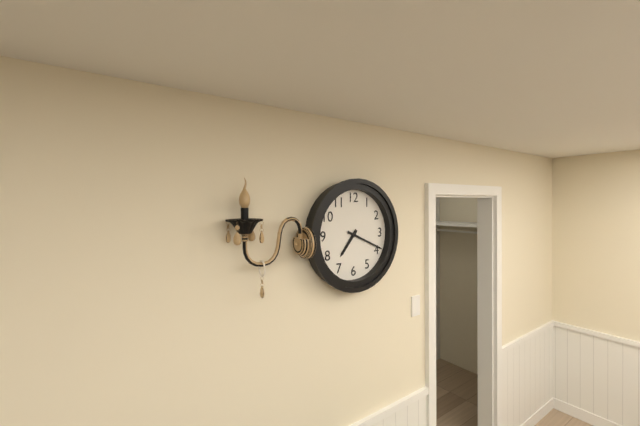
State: 7:19
